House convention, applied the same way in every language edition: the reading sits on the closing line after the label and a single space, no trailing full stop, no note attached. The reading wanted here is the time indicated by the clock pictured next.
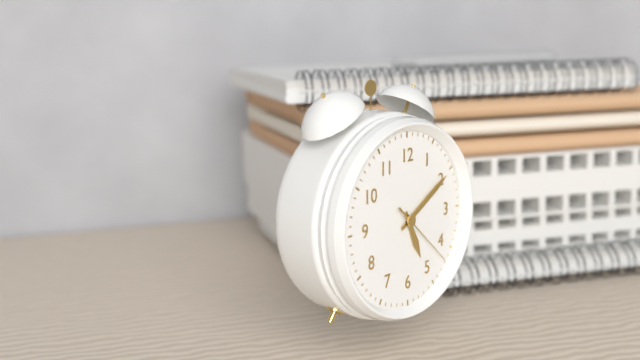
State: 5:10:22
